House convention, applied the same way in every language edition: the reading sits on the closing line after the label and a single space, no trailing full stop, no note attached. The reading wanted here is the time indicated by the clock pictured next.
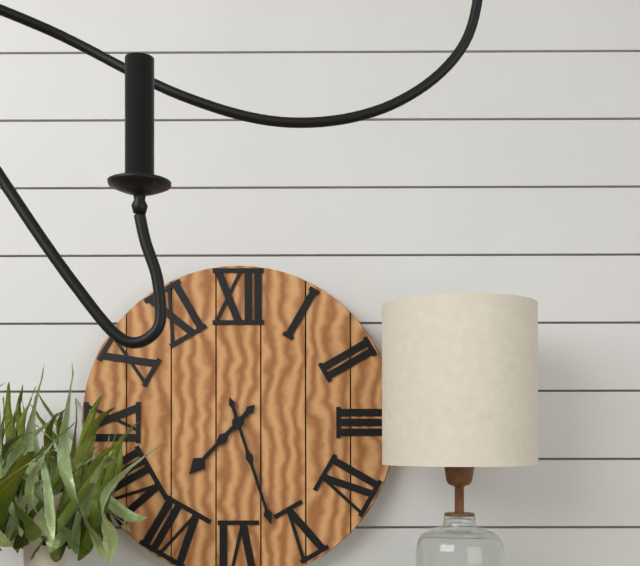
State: 7:27
